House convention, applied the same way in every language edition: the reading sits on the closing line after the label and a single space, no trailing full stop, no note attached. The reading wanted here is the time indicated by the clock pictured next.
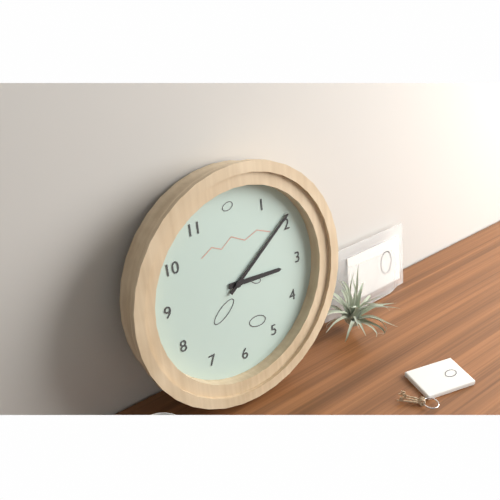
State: 3:09
